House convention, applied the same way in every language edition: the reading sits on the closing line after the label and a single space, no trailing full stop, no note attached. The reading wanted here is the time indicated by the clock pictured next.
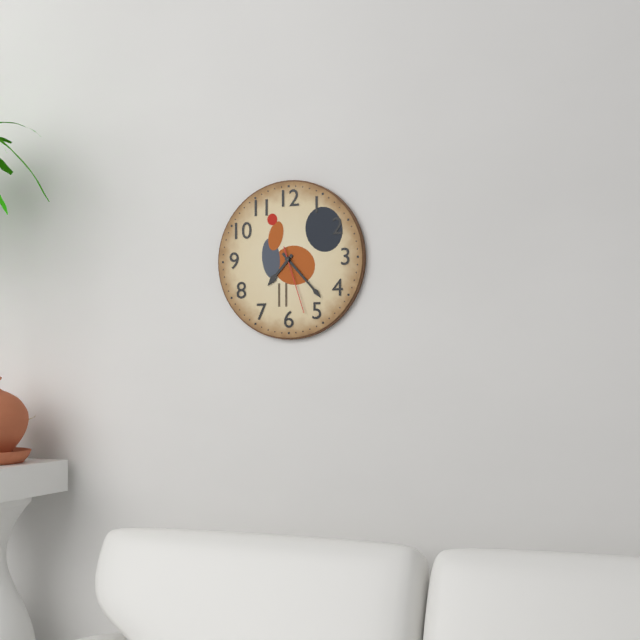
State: 7:23:27
